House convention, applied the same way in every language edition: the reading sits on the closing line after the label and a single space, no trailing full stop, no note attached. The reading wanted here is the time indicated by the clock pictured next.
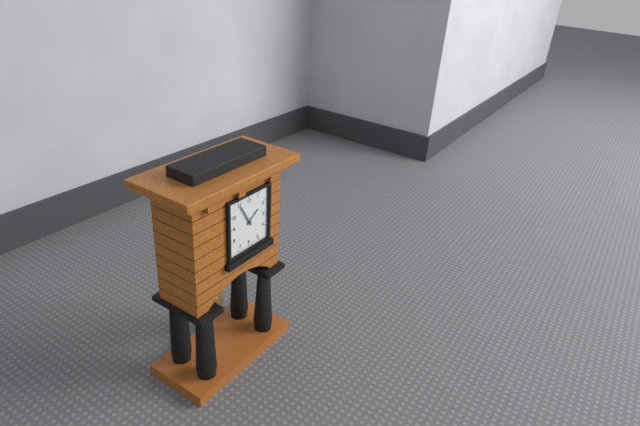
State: 1:55
